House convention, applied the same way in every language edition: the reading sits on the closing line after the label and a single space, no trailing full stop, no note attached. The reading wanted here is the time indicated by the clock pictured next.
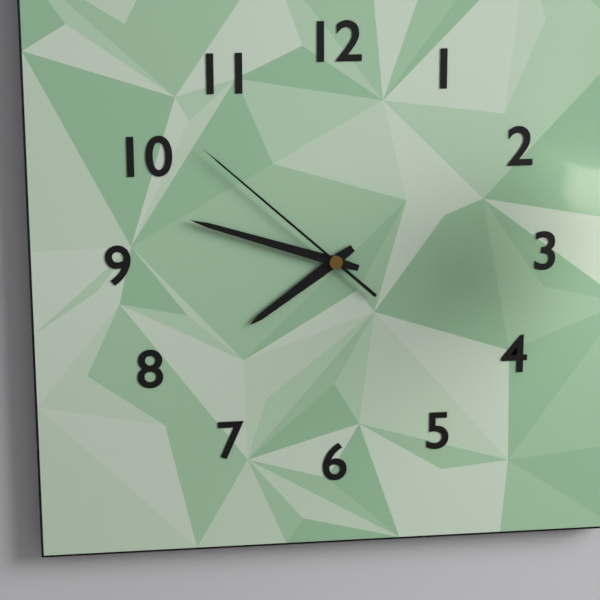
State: 7:48:52
